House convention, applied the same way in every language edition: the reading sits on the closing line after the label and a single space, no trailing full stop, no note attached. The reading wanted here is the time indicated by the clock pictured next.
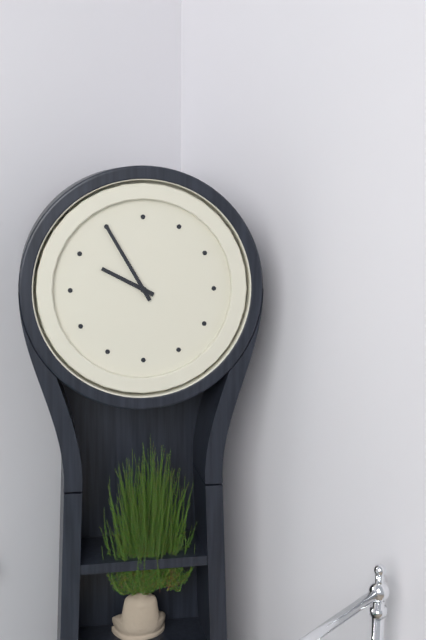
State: 9:55
